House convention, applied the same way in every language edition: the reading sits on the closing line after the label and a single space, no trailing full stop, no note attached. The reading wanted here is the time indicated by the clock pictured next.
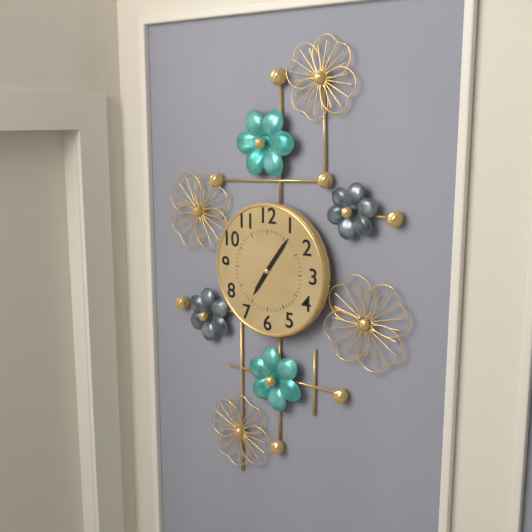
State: 7:06
